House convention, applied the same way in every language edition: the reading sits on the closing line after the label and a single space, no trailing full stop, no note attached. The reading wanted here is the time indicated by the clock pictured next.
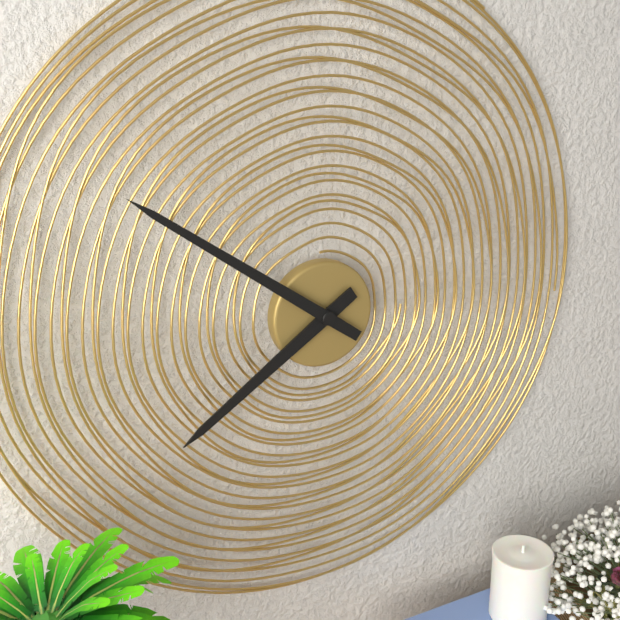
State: 7:51
